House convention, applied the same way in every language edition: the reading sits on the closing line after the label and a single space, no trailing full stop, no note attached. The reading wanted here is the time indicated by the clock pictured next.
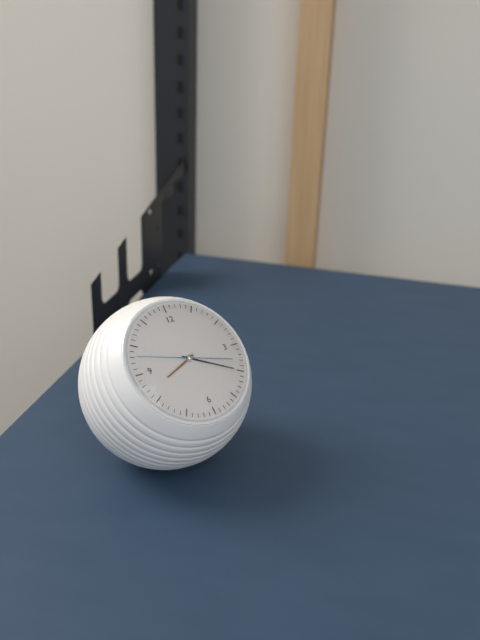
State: 8:20:48
